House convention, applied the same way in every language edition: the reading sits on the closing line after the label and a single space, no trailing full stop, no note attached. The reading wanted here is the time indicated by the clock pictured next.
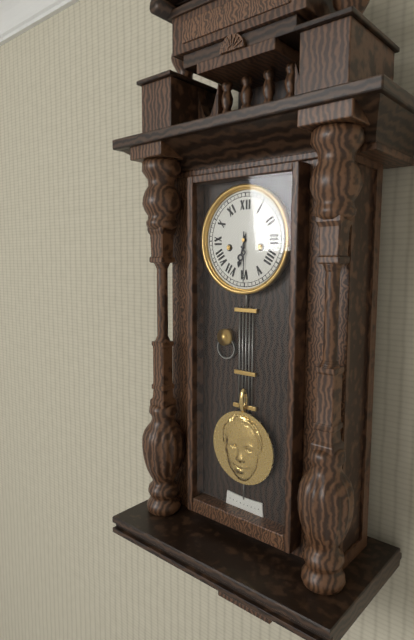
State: 6:30
